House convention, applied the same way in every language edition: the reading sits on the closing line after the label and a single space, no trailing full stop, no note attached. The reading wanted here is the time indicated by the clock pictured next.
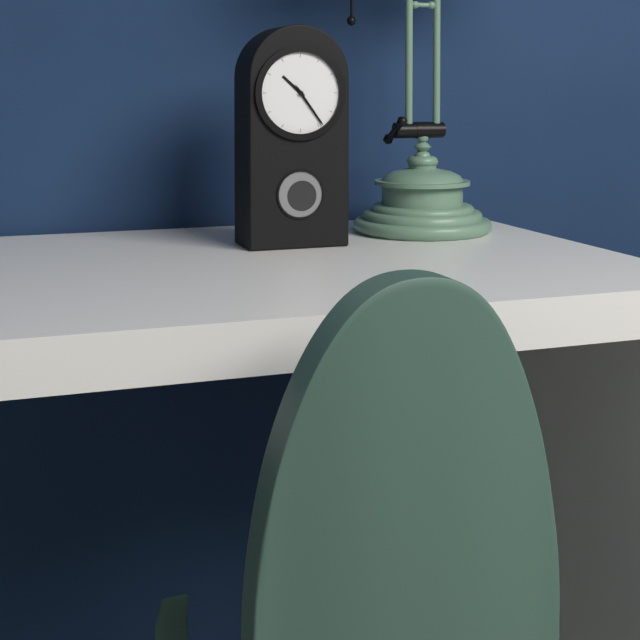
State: 10:24
